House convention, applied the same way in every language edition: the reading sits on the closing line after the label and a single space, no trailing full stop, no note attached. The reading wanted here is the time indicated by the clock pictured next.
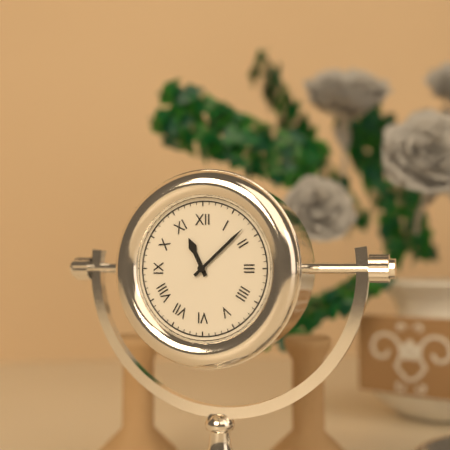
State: 11:08
